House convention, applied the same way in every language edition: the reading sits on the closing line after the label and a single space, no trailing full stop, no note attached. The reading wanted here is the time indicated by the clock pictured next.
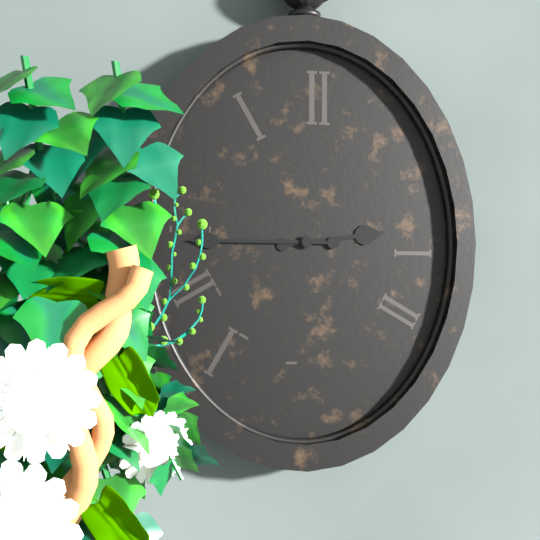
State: 2:45
